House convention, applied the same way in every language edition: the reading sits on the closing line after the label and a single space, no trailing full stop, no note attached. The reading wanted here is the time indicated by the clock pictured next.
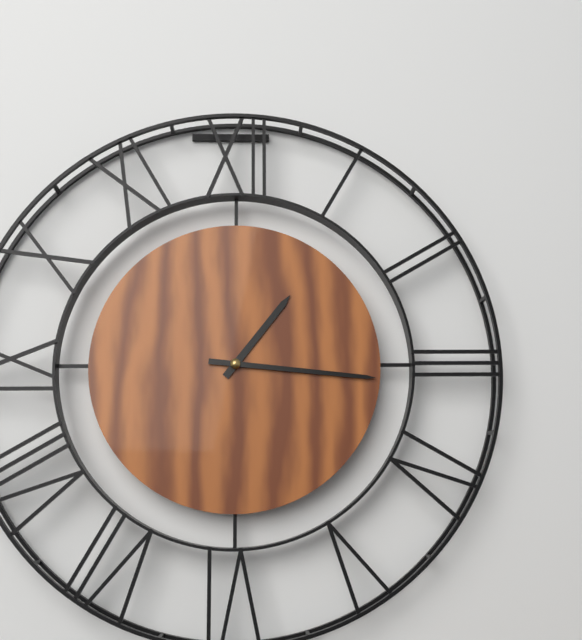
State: 1:16
